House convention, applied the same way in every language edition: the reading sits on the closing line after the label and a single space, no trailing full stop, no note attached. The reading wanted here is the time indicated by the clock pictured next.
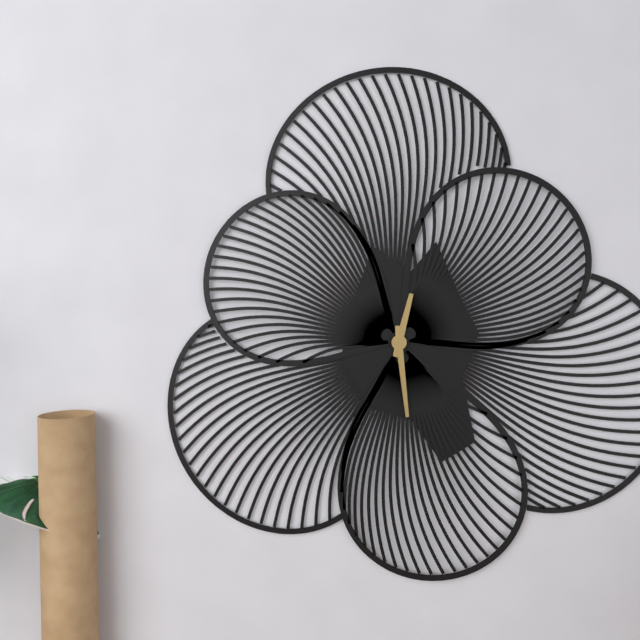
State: 12:29
